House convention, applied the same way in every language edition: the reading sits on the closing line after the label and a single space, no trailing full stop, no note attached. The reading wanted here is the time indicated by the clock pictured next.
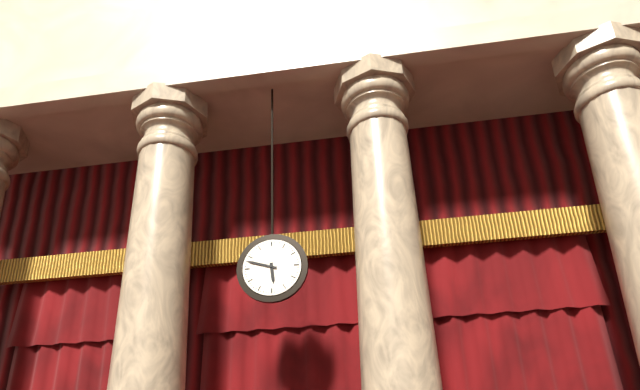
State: 5:48
